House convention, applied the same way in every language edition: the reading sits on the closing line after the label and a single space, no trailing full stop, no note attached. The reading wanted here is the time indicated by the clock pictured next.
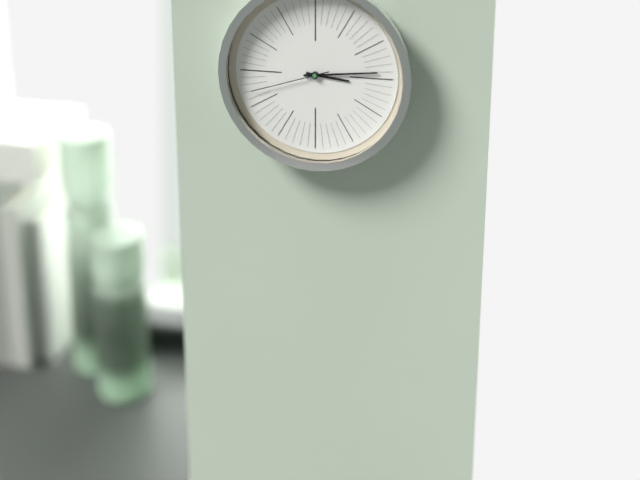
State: 3:14:42
